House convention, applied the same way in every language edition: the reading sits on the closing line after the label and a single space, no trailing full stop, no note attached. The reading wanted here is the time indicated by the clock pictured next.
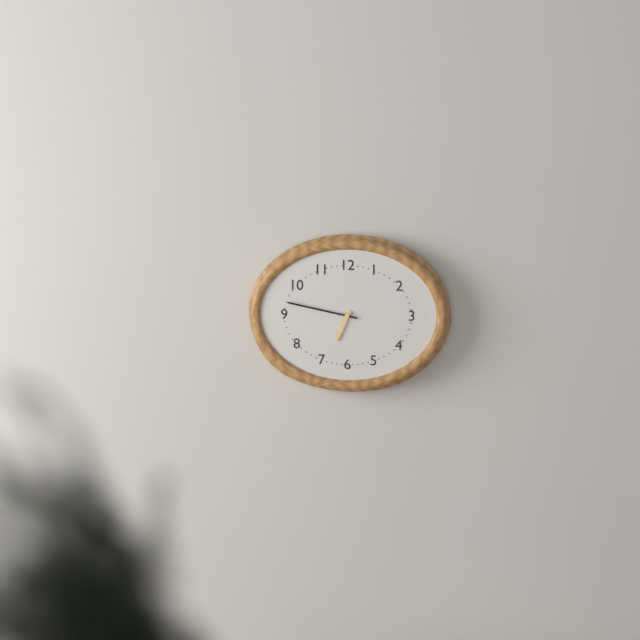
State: 6:47
